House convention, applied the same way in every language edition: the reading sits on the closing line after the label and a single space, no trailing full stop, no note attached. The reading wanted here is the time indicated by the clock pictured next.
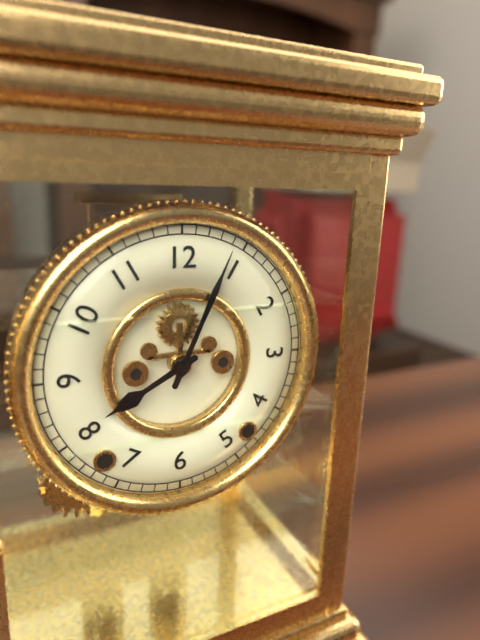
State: 8:04
